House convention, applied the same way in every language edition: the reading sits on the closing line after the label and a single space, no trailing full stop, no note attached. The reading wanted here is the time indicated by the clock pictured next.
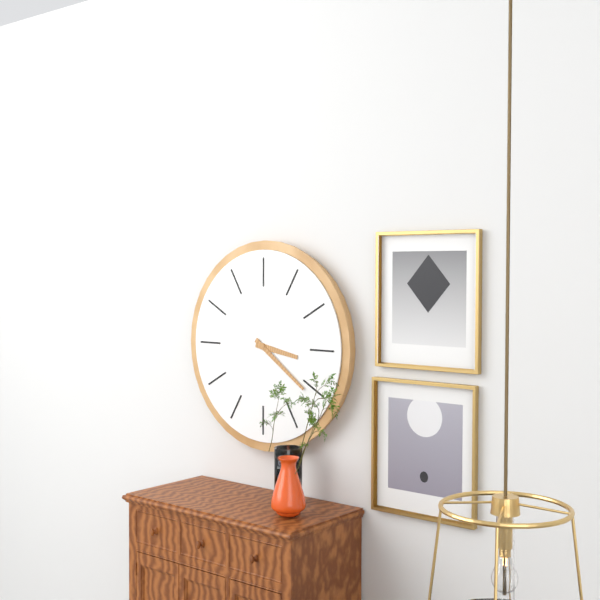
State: 3:21
